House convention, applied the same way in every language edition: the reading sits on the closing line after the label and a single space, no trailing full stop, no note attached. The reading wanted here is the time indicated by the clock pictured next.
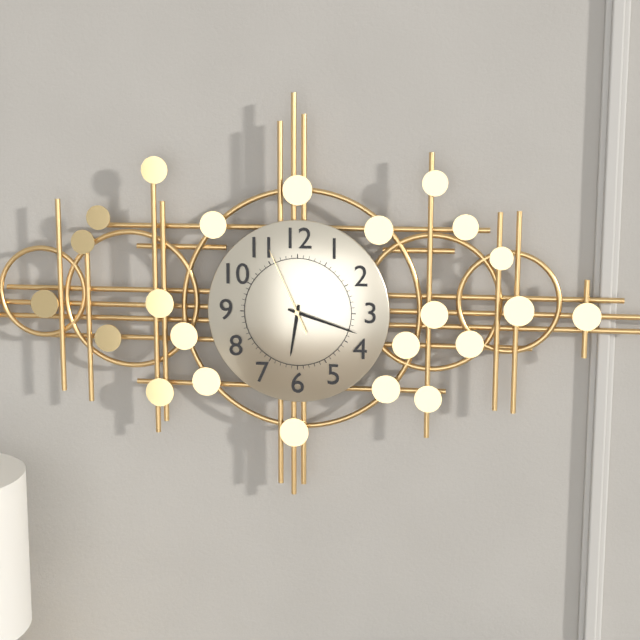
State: 6:18:56
